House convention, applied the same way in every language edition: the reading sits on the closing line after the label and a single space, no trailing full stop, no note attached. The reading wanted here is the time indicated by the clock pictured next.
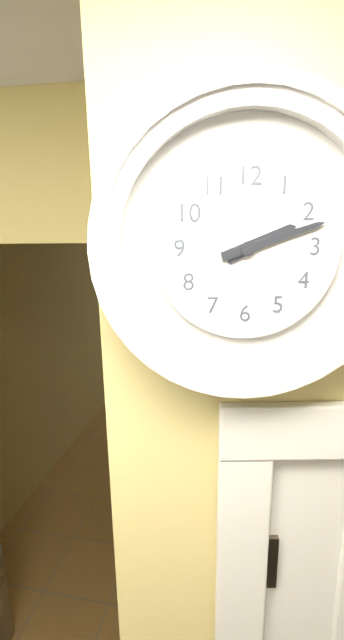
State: 2:12
